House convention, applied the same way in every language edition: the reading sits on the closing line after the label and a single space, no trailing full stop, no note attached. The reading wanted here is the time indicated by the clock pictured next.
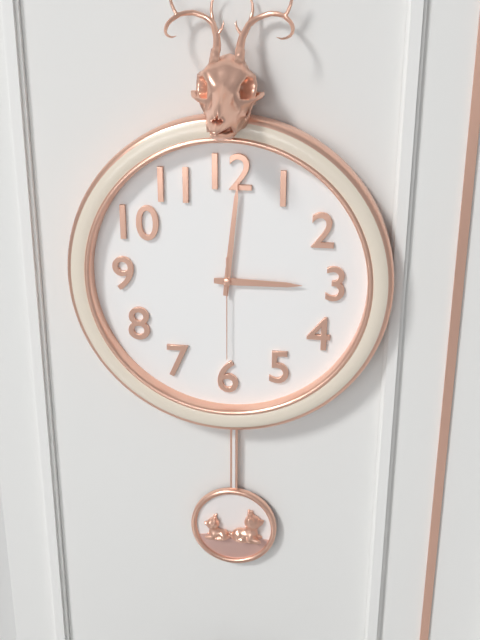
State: 3:01:30
